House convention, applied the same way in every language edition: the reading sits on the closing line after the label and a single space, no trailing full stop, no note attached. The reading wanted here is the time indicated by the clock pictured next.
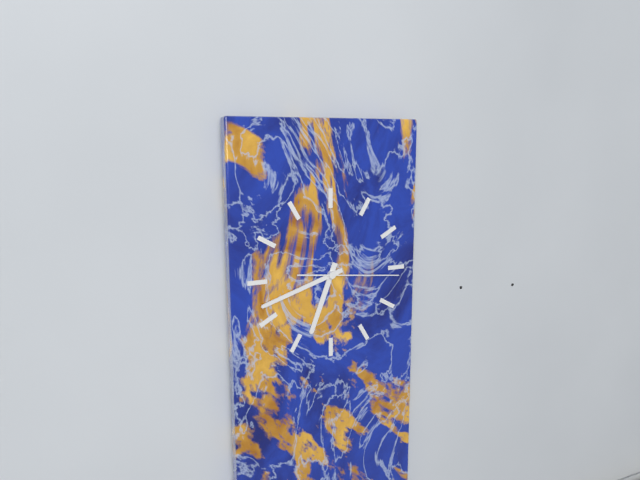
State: 6:42:16
